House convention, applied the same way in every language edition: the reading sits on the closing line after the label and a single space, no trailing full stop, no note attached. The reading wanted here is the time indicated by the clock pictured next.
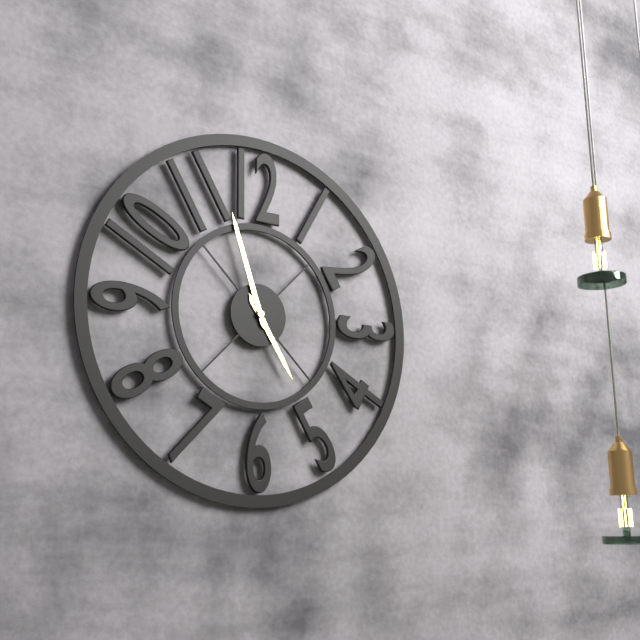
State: 4:57
